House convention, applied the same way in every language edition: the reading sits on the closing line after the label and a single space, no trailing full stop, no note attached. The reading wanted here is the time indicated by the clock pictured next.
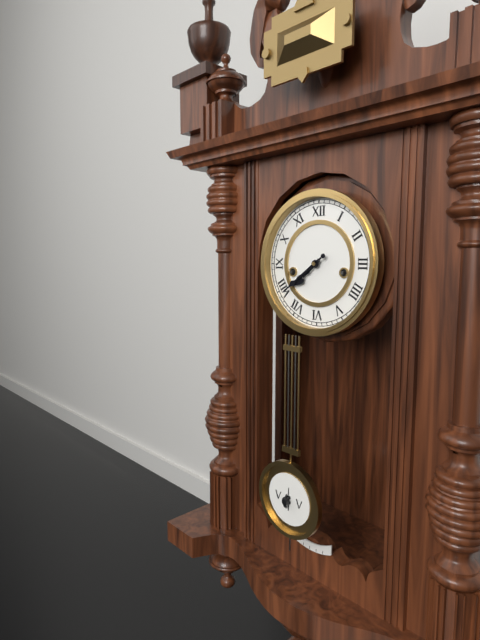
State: 7:39
